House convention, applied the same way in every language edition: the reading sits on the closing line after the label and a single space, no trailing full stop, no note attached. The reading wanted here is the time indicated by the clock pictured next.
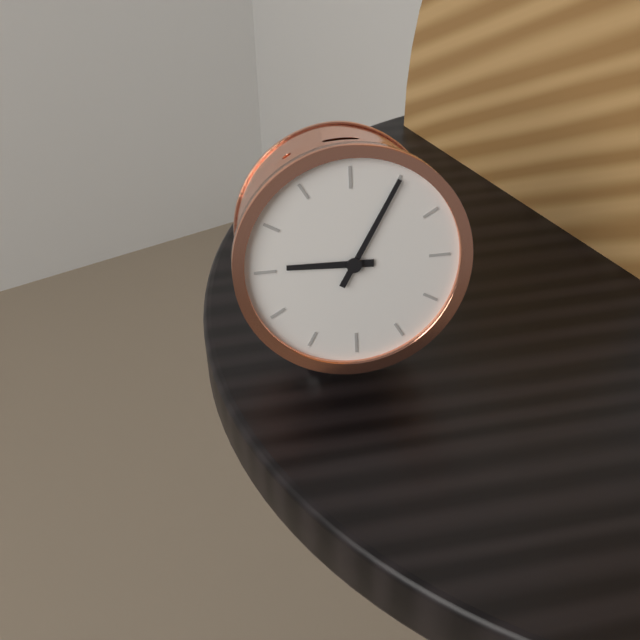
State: 9:05
